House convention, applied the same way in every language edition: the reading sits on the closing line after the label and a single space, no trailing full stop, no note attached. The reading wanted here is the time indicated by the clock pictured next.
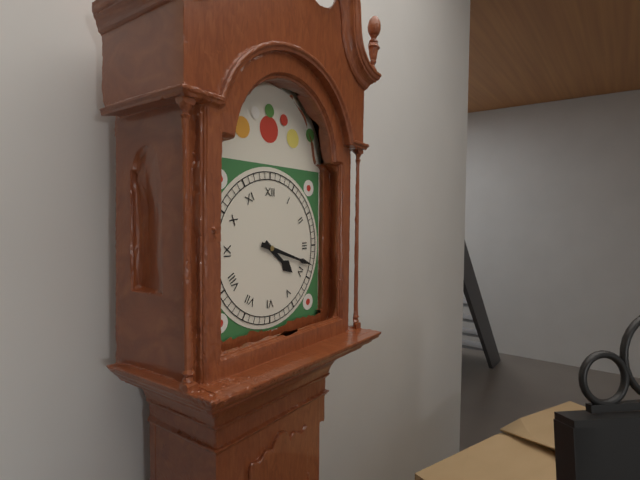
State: 4:18
